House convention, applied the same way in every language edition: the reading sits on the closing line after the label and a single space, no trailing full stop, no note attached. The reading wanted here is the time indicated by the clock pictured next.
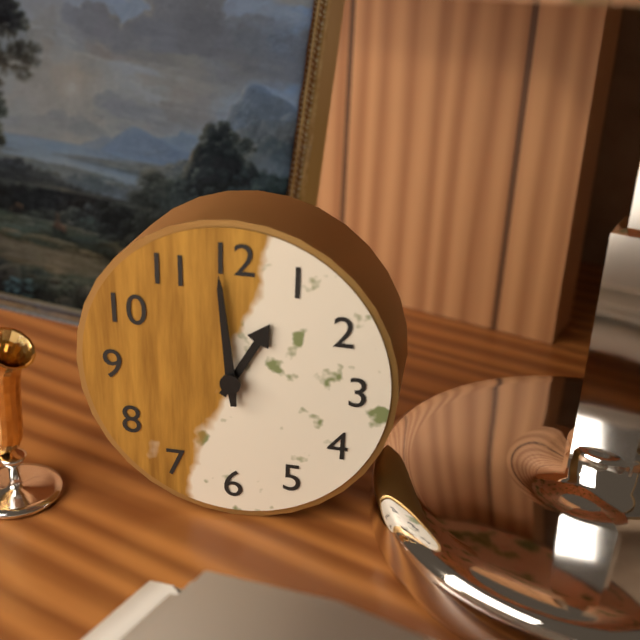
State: 12:59
